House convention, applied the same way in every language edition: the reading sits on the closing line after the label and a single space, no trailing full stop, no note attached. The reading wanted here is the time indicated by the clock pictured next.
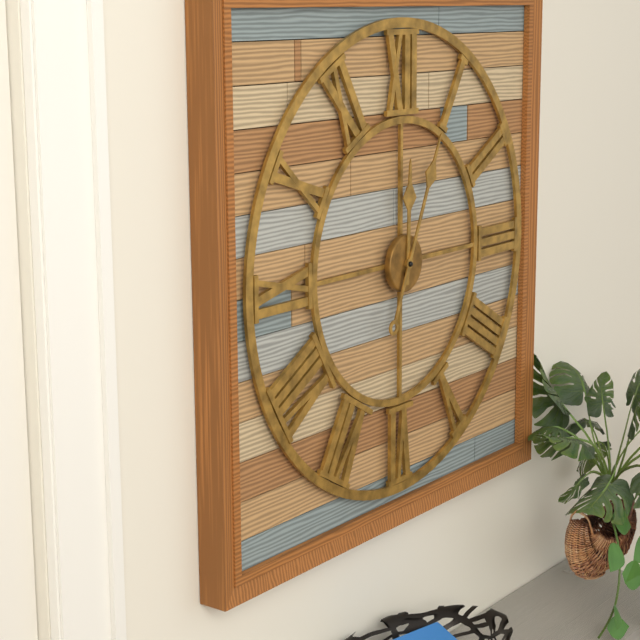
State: 12:04
